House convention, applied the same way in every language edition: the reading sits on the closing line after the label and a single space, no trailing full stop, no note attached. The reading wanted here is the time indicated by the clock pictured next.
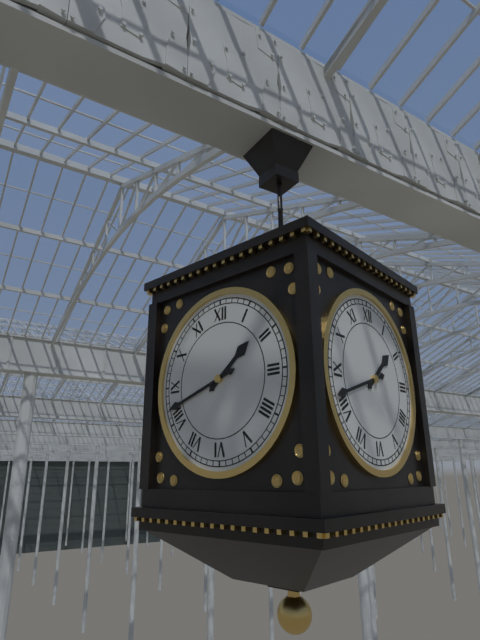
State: 1:42
